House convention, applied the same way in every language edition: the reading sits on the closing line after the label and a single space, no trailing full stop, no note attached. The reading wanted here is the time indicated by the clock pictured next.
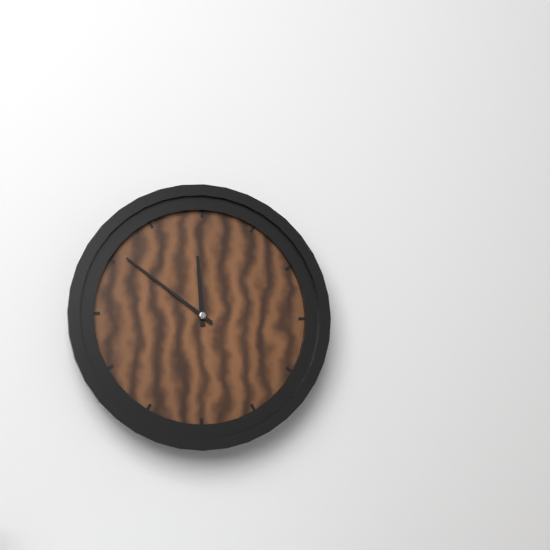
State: 11:51
